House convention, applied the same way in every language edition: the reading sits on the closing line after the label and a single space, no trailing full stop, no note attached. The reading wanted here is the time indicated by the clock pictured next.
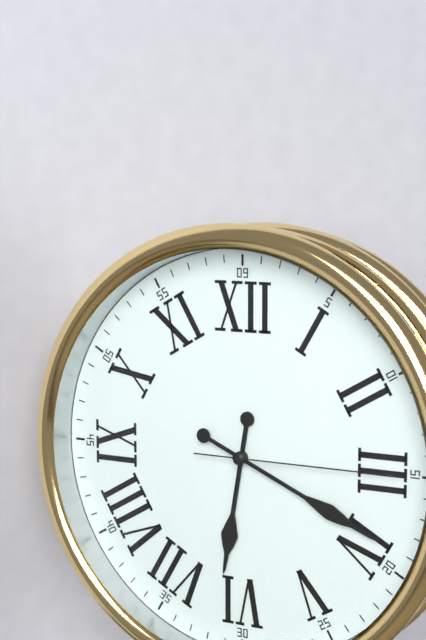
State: 6:19:15
